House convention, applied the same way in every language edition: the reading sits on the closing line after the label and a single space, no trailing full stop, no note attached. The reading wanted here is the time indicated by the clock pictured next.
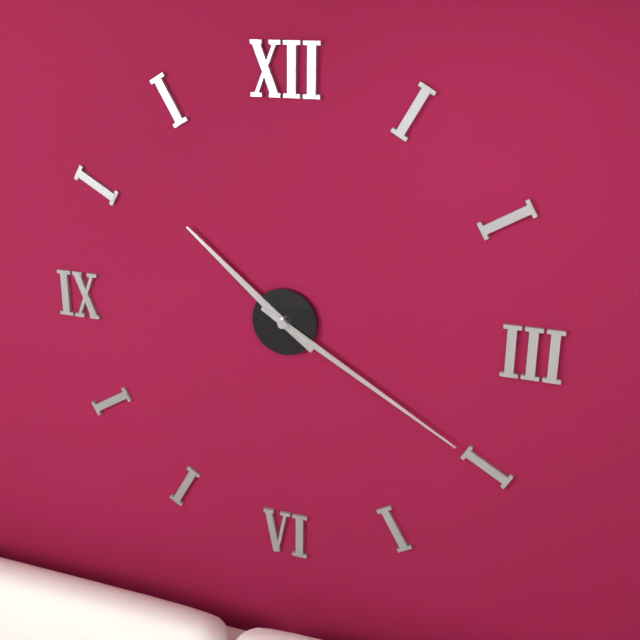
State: 10:20
